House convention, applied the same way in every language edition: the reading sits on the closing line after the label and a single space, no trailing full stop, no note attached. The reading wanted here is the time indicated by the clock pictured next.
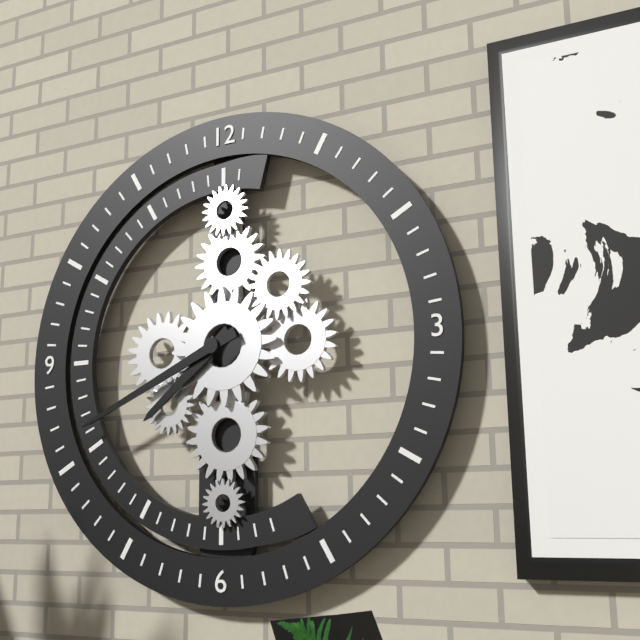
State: 7:41
